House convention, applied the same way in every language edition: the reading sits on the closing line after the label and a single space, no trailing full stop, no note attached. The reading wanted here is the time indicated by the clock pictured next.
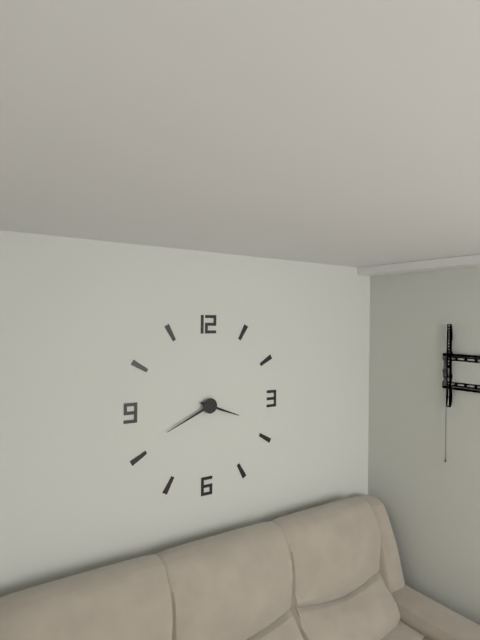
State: 3:41
